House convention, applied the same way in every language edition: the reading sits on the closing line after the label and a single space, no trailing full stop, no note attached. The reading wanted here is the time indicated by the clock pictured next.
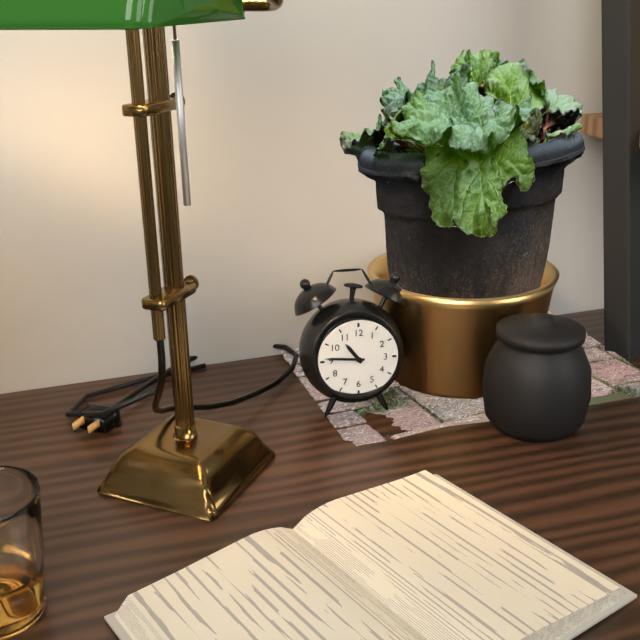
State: 10:46
